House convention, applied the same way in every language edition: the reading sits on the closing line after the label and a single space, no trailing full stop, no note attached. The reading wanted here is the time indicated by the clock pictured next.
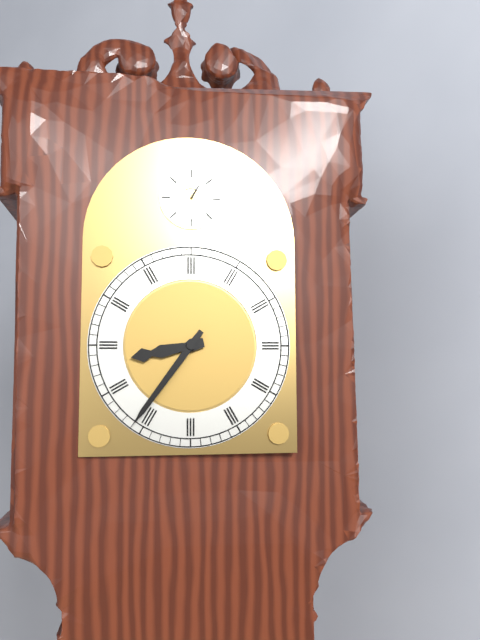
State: 8:36
